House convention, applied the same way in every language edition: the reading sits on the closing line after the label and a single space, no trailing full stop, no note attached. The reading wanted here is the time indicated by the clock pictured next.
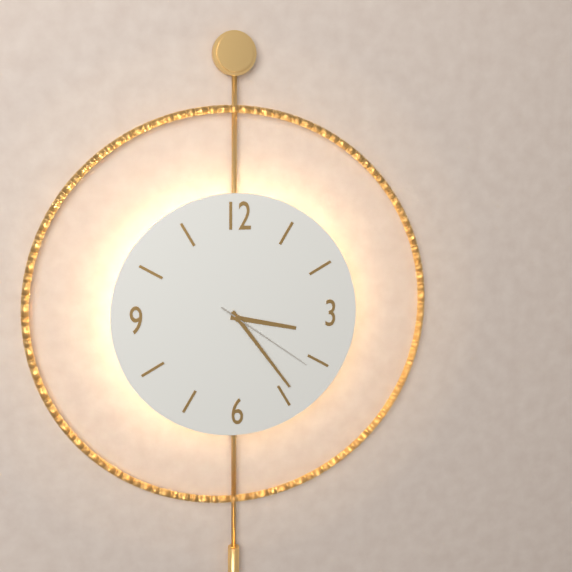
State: 3:24:21
